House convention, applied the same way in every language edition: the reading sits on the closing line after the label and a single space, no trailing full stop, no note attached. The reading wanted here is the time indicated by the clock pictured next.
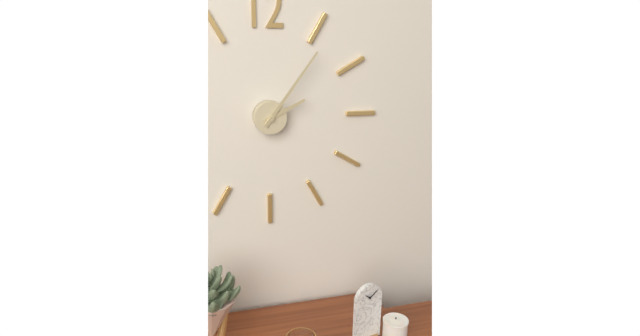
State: 2:06
